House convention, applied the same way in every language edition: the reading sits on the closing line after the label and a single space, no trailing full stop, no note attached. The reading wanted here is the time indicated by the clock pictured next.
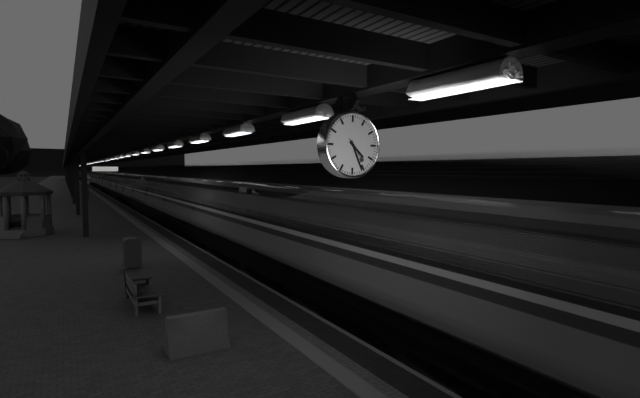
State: 4:26
